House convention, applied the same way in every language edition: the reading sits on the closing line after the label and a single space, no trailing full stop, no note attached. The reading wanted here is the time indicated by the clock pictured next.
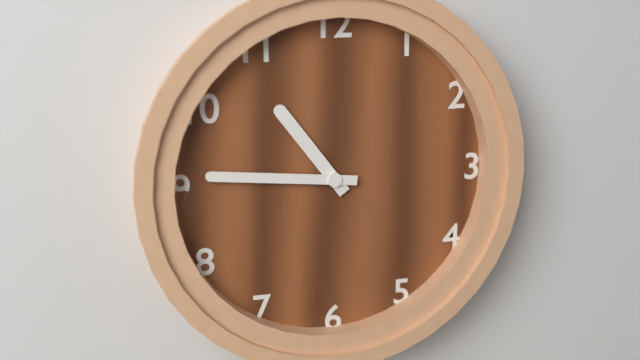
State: 10:46
